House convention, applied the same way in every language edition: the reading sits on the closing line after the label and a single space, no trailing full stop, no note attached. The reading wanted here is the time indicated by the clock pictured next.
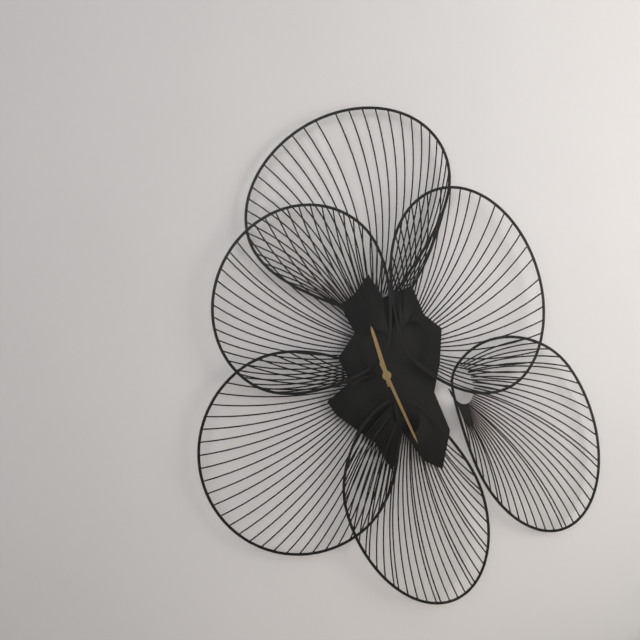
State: 11:26
